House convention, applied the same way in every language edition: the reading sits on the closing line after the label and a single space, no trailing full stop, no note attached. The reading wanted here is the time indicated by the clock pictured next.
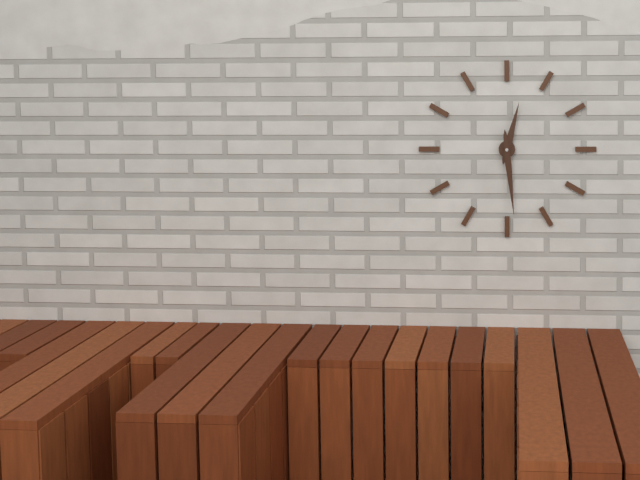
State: 12:29
